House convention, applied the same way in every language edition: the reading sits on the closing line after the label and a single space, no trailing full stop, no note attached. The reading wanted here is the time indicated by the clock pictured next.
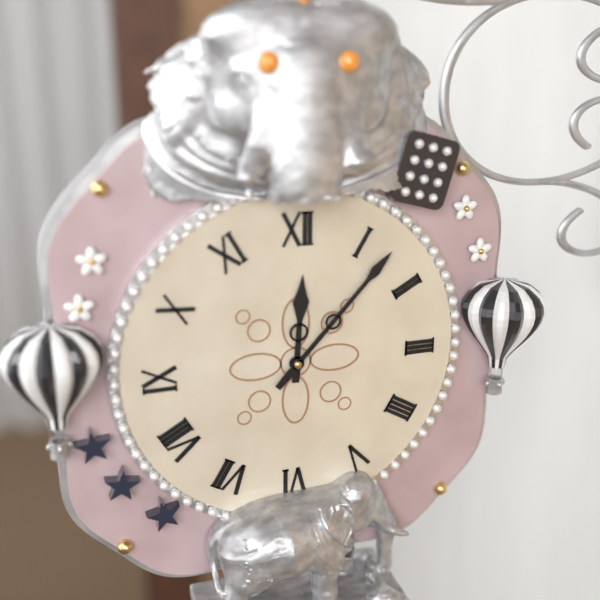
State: 12:07
